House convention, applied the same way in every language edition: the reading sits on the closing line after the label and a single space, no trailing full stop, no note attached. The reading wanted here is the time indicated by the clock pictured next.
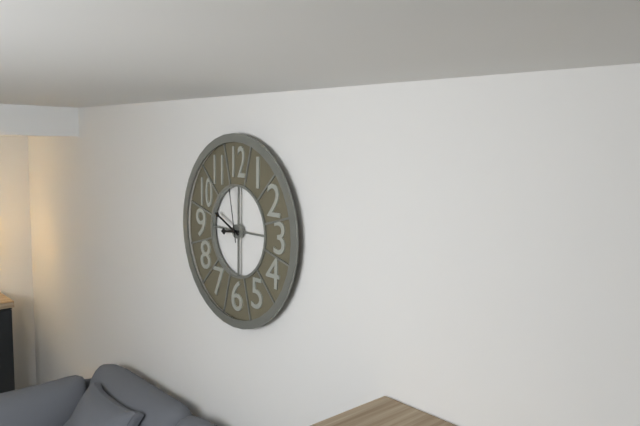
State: 8:49:58
